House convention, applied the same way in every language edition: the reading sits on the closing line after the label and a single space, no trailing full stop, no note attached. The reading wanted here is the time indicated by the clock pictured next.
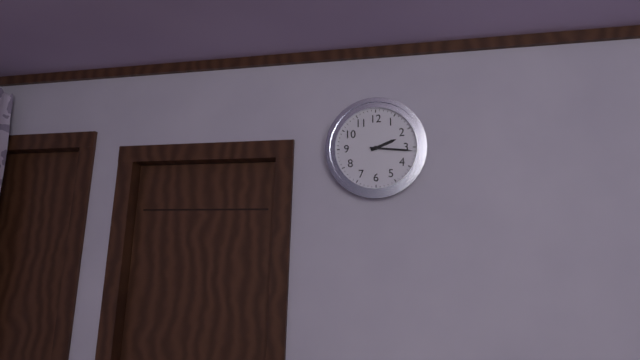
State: 2:16
